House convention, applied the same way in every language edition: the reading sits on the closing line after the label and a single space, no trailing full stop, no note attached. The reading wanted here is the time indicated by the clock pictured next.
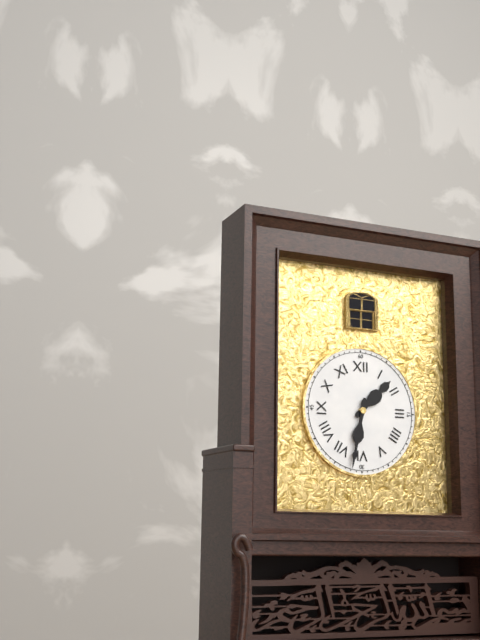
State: 1:32
